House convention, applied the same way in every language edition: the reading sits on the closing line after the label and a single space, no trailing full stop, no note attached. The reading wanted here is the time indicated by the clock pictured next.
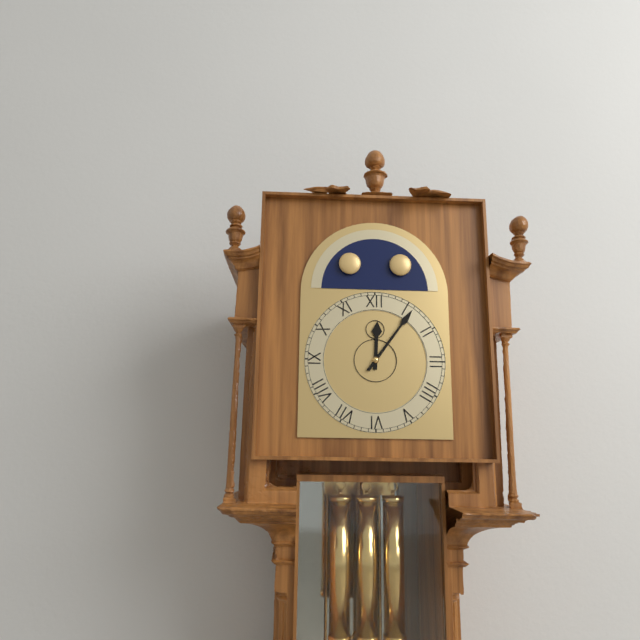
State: 12:06
